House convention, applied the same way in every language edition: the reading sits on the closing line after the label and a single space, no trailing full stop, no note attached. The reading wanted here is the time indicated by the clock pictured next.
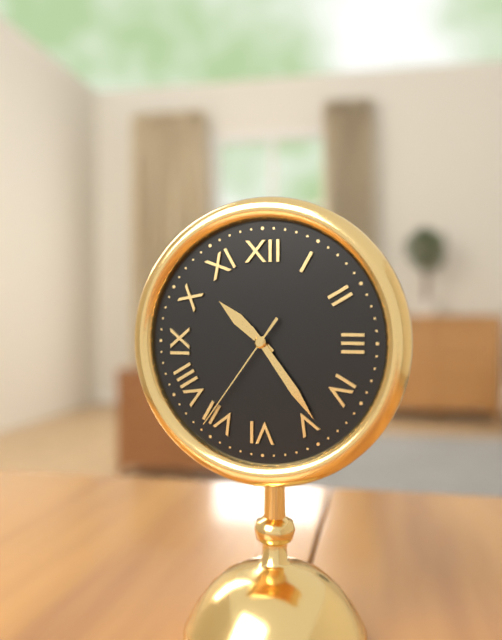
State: 10:24:36
